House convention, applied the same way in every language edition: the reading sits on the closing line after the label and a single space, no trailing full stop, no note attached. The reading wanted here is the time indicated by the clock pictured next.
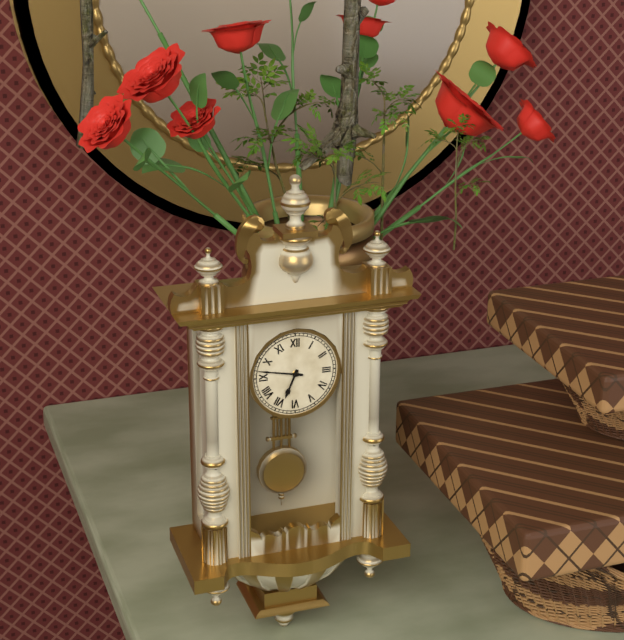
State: 6:47
